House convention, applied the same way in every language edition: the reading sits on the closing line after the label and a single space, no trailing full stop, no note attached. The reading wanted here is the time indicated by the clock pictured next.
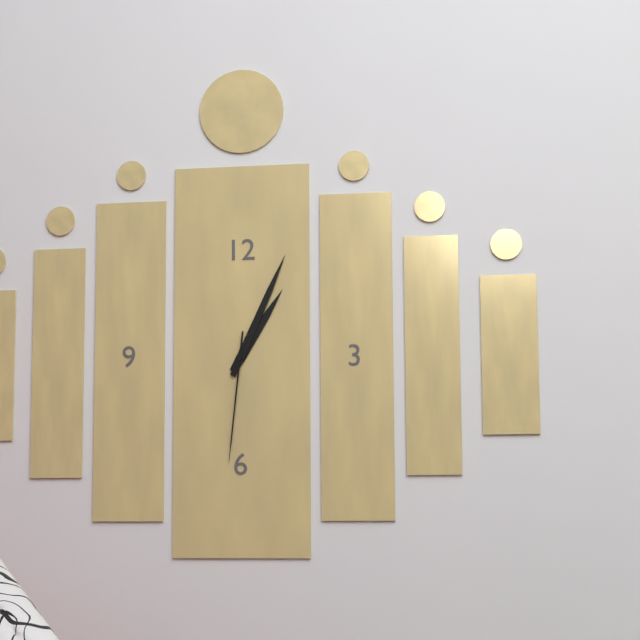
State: 1:04:31
